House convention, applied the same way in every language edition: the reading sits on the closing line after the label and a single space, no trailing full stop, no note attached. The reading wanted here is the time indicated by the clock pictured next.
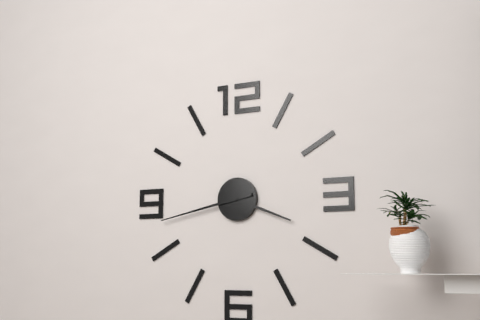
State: 3:43
